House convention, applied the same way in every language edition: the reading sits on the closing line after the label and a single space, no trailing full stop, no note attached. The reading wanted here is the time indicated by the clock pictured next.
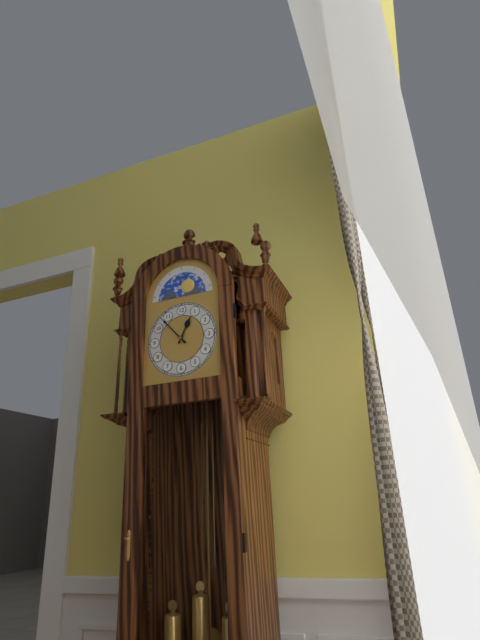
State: 12:53
